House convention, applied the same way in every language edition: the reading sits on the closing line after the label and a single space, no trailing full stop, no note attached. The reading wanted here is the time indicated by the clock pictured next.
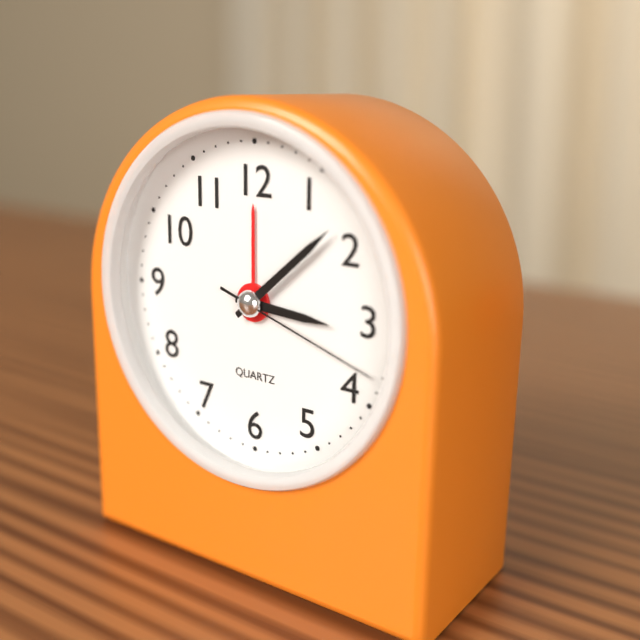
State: 3:08:18
